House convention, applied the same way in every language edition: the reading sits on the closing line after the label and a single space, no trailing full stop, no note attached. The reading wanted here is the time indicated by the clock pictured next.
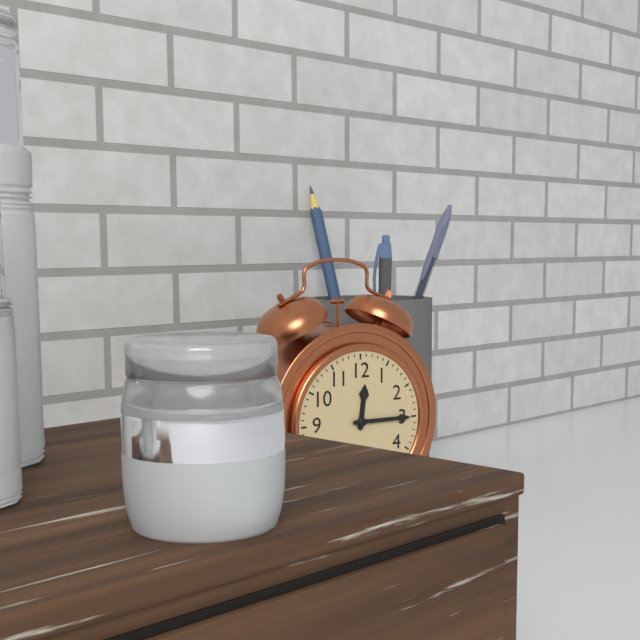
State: 12:15
